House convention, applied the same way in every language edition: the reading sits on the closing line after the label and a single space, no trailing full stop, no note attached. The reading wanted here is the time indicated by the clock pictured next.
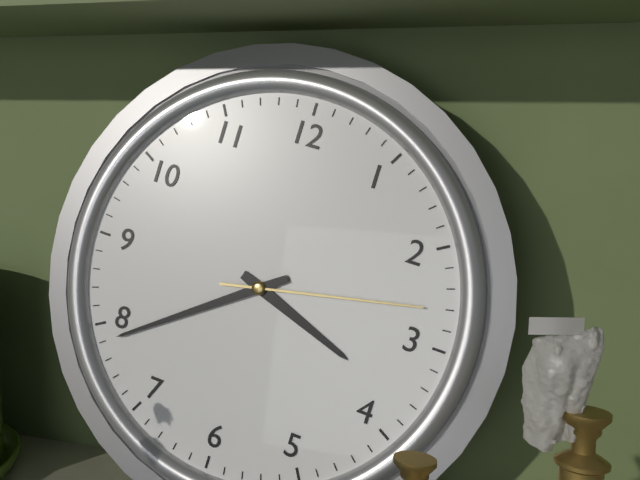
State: 3:39:13
